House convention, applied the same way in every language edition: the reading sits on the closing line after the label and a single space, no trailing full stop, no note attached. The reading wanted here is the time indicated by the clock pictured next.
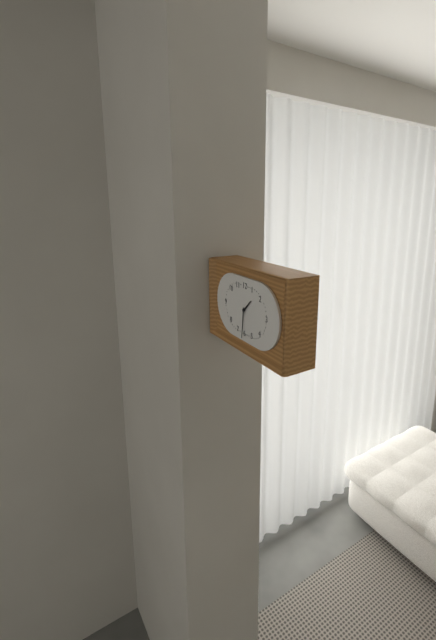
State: 1:31
